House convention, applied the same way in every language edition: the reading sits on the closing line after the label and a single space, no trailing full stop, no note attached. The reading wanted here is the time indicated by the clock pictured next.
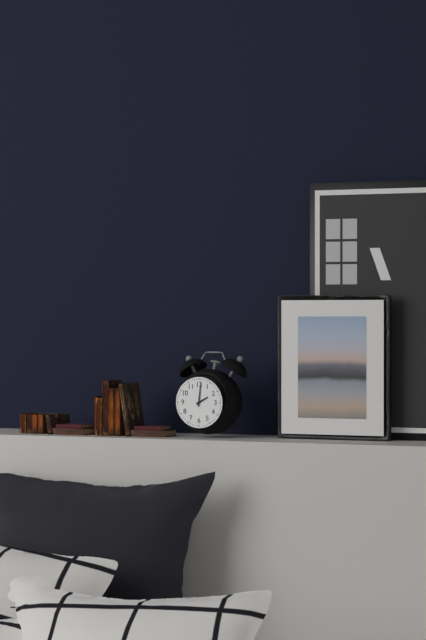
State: 2:01
